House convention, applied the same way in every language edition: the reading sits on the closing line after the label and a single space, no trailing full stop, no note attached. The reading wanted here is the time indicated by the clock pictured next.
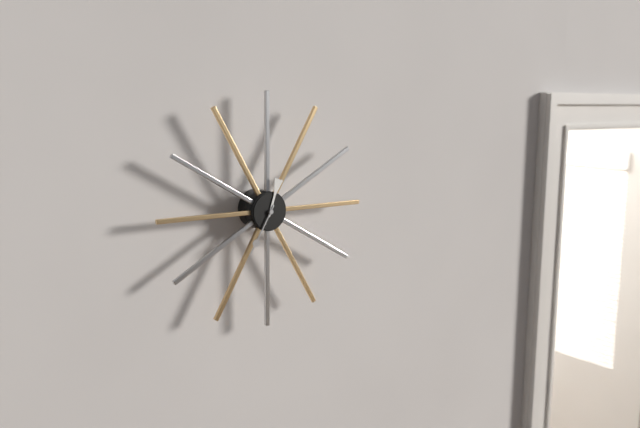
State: 12:35
